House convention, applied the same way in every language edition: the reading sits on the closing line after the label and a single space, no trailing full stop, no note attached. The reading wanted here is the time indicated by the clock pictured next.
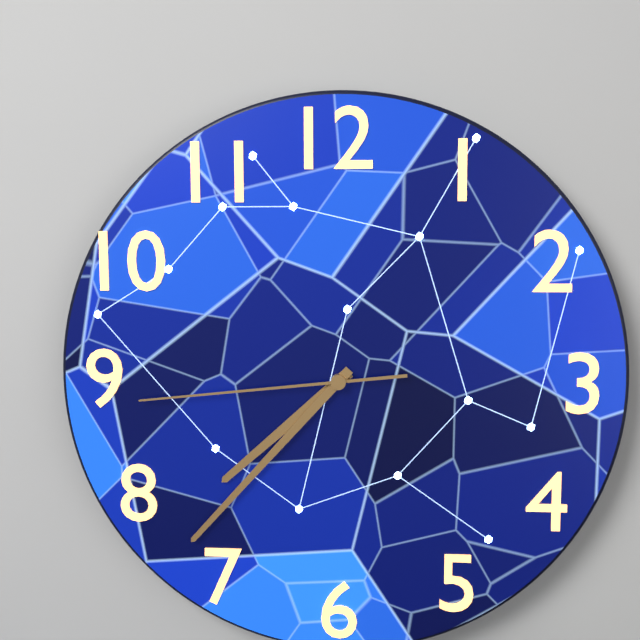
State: 7:37:44
